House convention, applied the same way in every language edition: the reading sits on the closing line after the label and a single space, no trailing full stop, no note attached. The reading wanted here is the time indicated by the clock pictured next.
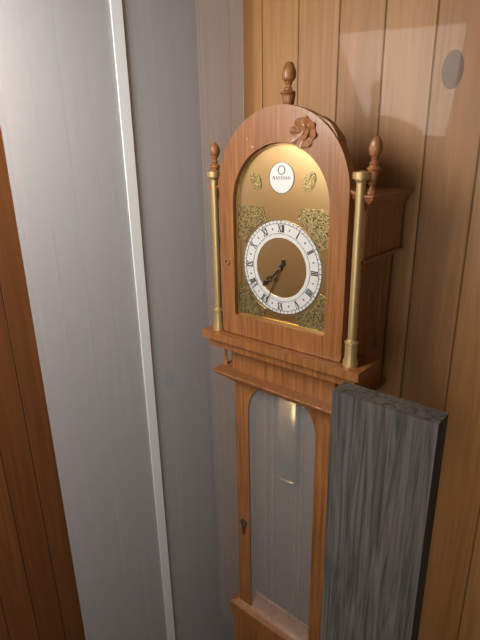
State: 7:34
